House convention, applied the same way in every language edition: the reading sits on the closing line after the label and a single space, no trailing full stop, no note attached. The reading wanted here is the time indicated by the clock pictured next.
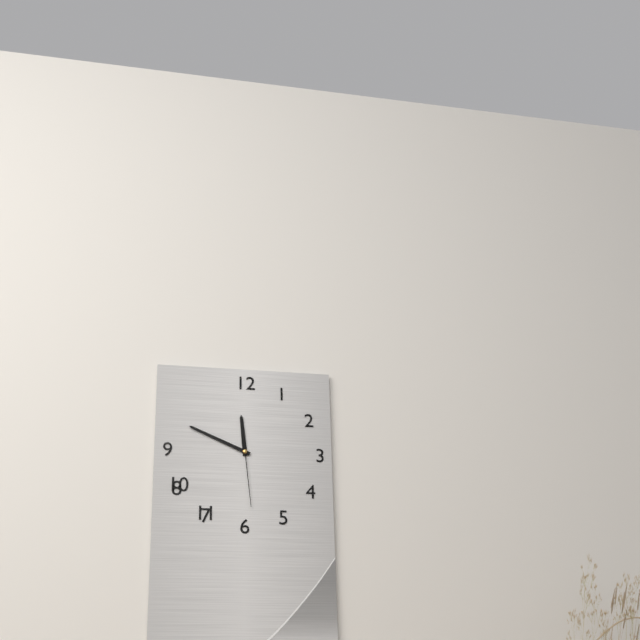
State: 11:49:29
